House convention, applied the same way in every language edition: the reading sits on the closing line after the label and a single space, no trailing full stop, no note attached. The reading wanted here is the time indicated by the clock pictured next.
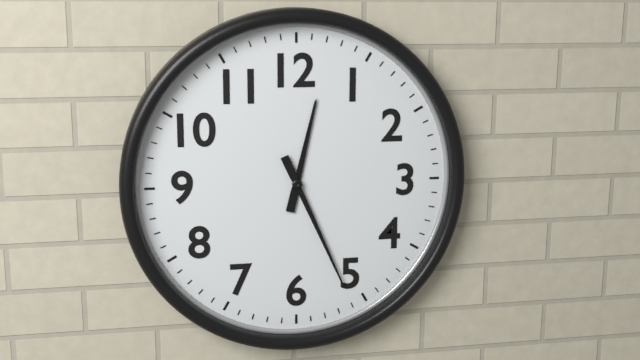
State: 12:26
